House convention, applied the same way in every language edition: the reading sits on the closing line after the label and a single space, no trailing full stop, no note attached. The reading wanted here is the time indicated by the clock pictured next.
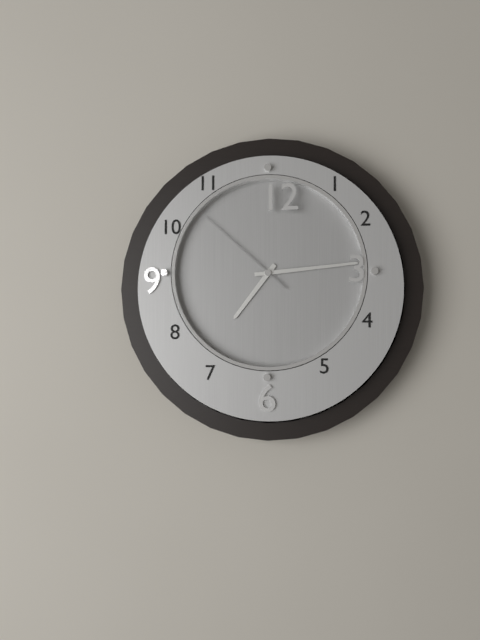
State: 7:14:52
